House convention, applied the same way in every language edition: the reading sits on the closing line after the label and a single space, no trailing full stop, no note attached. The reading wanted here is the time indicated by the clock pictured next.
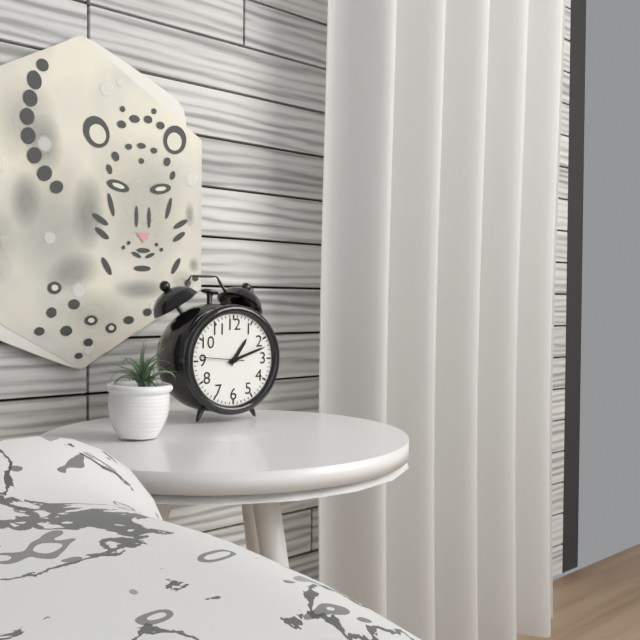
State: 1:12
